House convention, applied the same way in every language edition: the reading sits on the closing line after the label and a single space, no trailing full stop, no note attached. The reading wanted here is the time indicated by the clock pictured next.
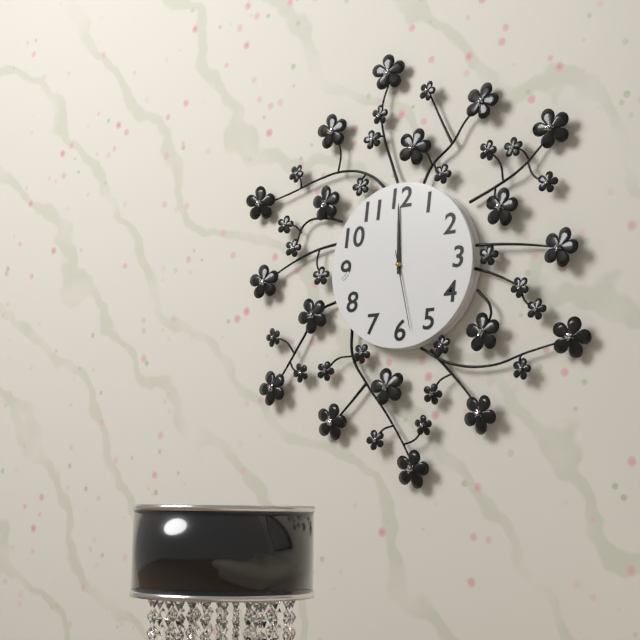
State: 12:00:28
